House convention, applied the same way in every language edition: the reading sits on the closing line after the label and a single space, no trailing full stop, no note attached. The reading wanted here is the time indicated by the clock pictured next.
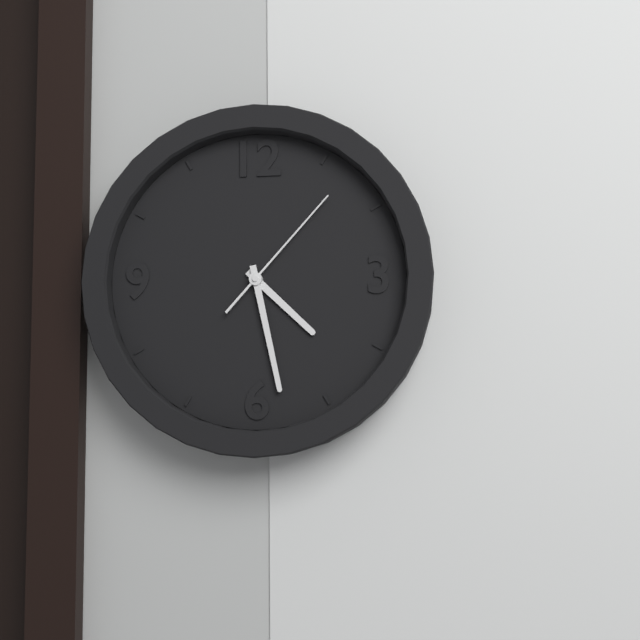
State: 4:28:07
